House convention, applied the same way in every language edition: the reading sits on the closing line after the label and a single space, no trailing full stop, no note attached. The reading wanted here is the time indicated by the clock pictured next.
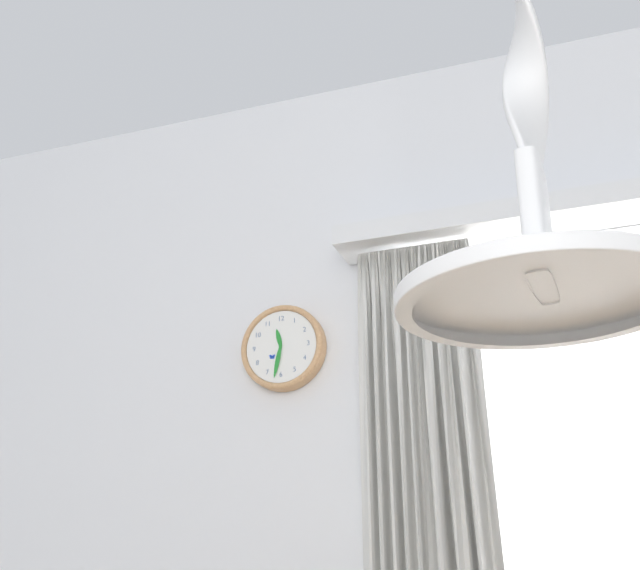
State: 11:32
